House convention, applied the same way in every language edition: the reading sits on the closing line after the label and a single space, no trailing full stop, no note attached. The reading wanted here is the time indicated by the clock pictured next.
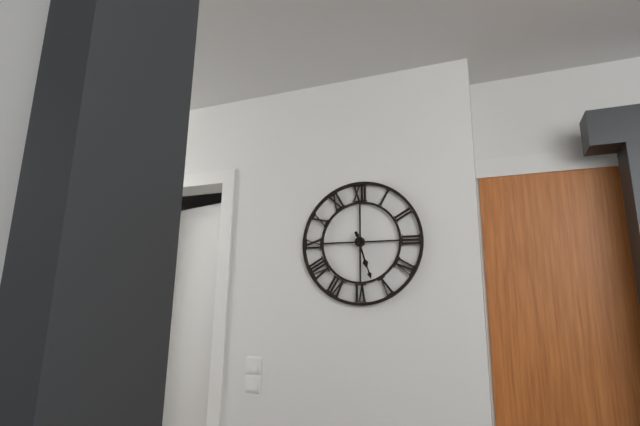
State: 5:27
